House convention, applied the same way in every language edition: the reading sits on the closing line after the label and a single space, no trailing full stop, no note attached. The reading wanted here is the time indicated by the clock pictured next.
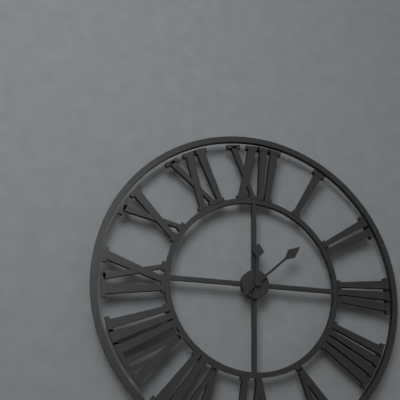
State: 12:08
